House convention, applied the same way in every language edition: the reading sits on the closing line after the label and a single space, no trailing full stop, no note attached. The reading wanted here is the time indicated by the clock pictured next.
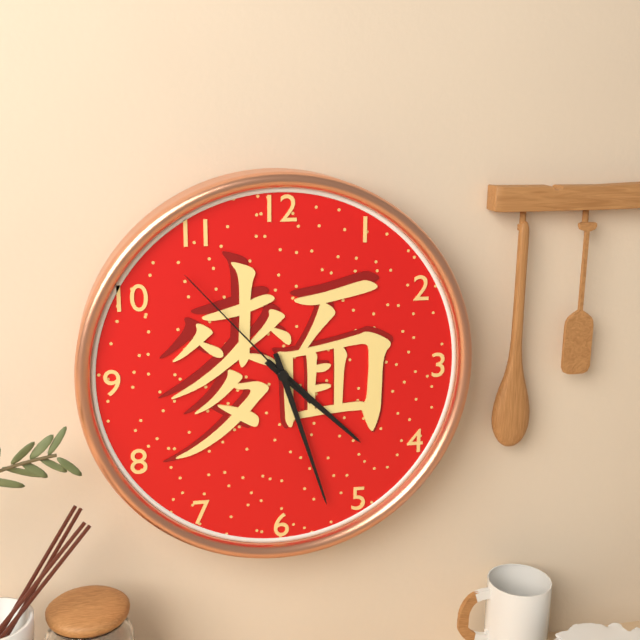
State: 4:27:53
